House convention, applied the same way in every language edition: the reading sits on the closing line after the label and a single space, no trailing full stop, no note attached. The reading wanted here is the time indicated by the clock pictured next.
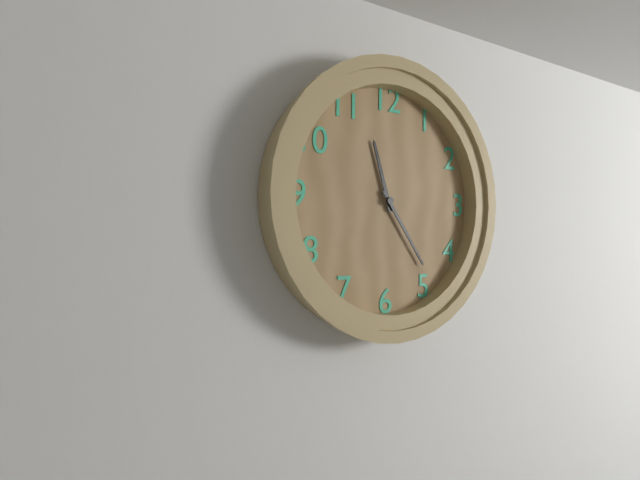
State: 11:24
